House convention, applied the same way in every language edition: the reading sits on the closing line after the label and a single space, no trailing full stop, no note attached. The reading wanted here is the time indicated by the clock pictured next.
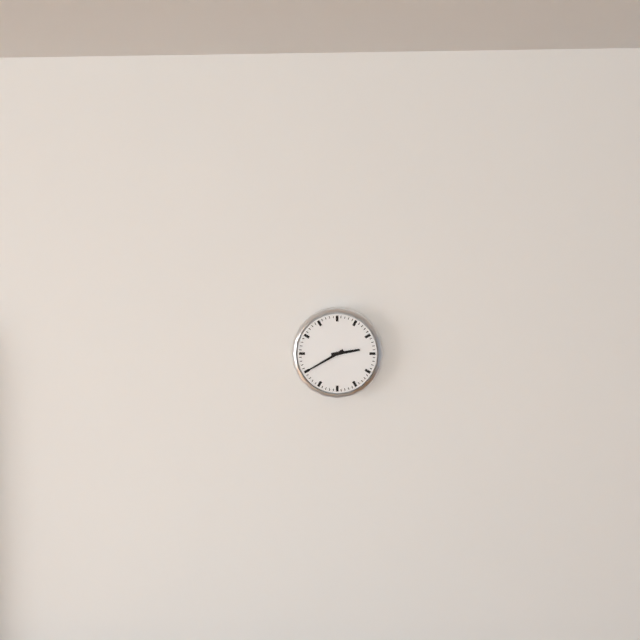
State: 2:40
